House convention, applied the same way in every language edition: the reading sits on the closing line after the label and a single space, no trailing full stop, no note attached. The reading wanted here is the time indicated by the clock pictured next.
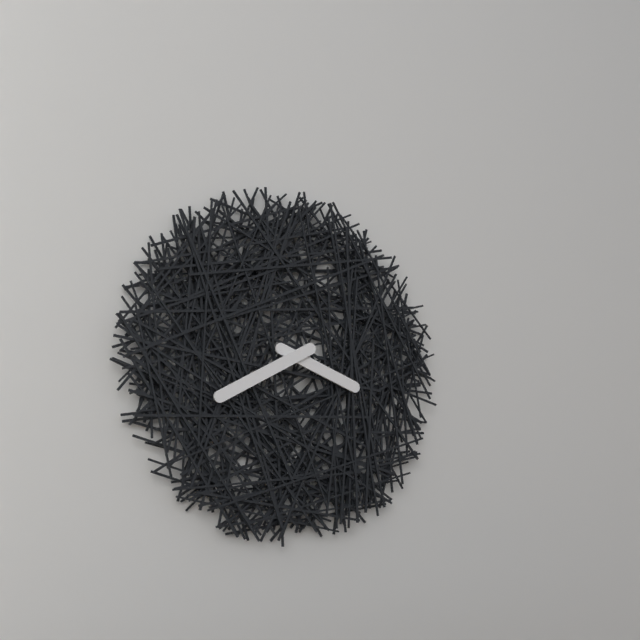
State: 3:40
